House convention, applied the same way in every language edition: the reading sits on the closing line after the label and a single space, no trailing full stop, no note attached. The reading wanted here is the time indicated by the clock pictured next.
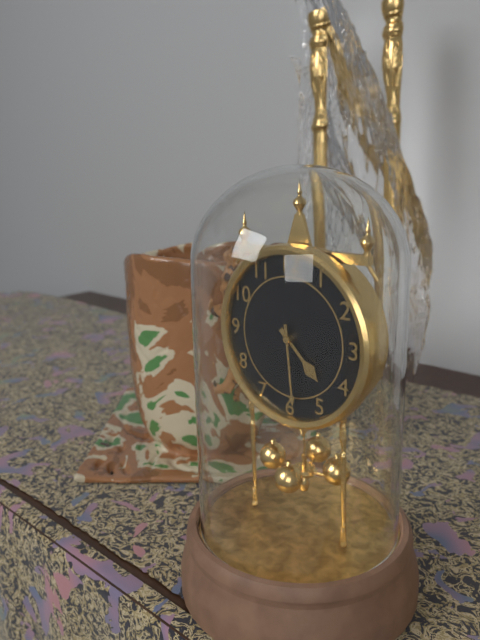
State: 4:29
